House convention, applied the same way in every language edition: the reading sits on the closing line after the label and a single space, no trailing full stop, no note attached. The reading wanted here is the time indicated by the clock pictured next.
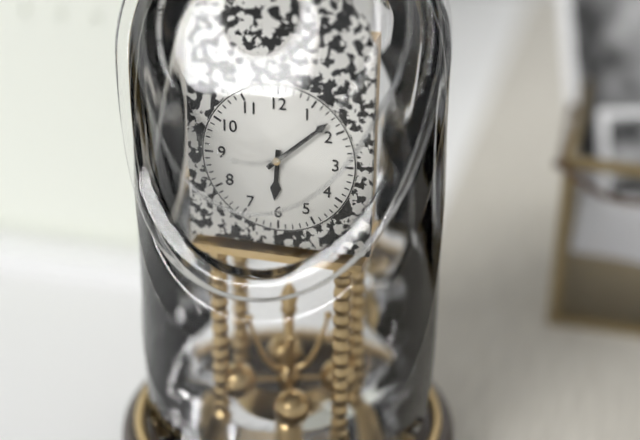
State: 6:08
